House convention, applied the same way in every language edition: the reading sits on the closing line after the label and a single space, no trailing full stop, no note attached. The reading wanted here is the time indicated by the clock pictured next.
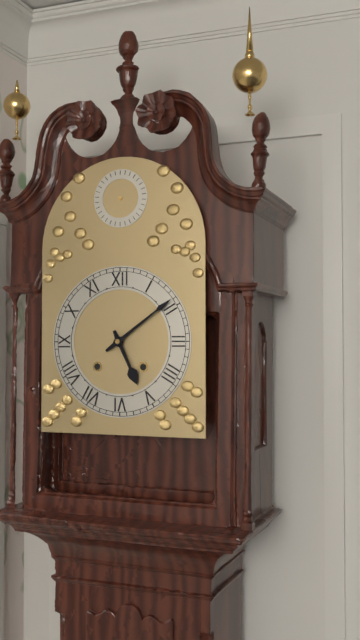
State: 5:09
